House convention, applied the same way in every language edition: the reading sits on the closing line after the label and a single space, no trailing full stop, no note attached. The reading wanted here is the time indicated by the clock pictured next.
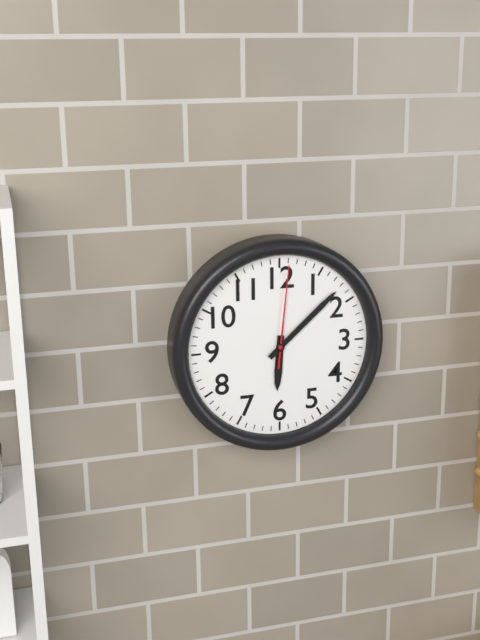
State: 6:08:01
